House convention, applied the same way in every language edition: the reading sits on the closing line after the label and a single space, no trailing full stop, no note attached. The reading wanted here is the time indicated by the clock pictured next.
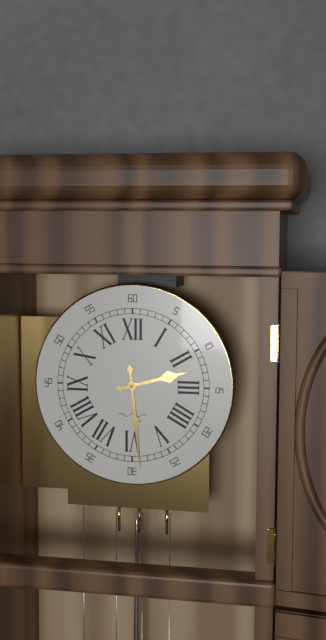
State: 2:29
